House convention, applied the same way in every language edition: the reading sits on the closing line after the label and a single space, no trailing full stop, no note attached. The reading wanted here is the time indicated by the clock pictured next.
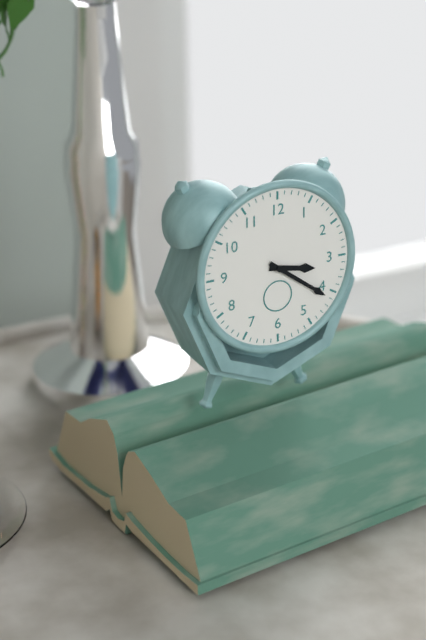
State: 3:21
